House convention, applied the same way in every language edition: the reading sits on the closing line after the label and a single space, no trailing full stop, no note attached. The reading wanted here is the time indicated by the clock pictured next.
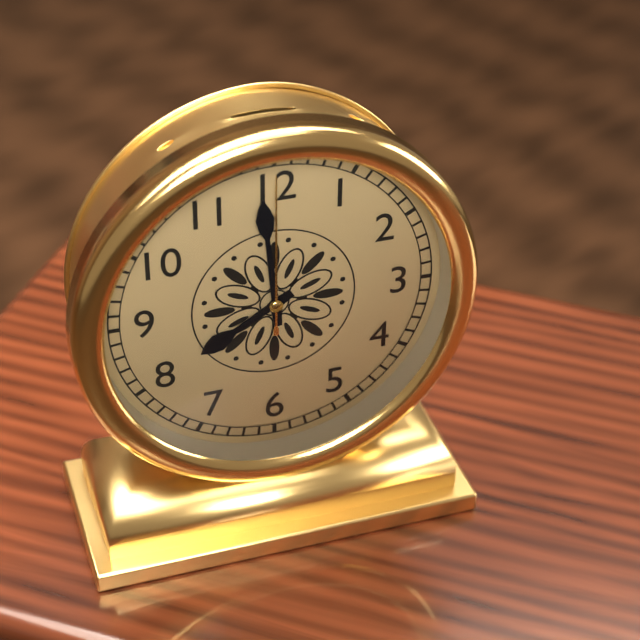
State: 7:59:00
